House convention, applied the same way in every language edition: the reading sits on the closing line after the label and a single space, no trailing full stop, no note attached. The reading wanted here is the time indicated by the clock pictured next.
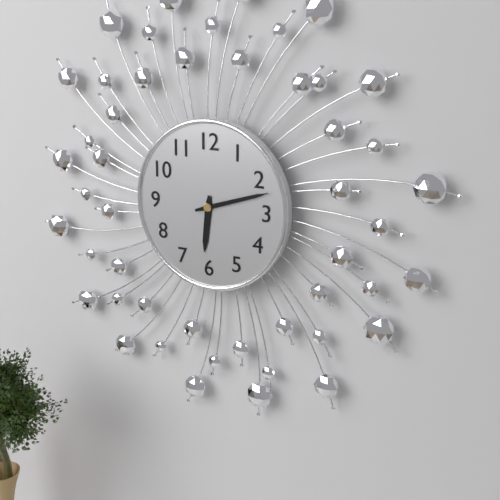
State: 6:12
